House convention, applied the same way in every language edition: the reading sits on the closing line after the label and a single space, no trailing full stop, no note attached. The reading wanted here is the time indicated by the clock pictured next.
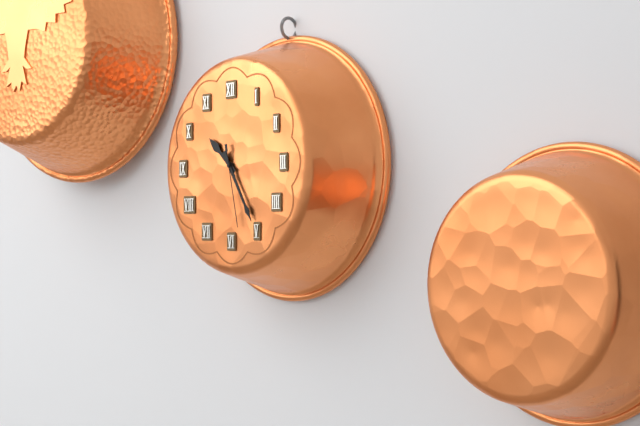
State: 10:25:28
